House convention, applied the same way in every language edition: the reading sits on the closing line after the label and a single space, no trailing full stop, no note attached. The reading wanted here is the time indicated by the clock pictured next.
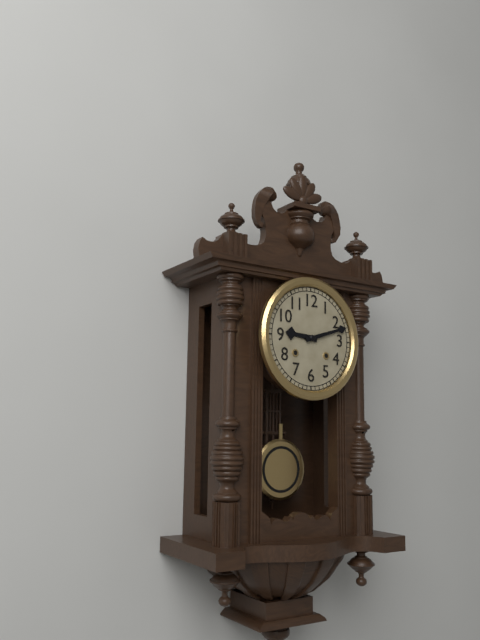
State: 9:12
